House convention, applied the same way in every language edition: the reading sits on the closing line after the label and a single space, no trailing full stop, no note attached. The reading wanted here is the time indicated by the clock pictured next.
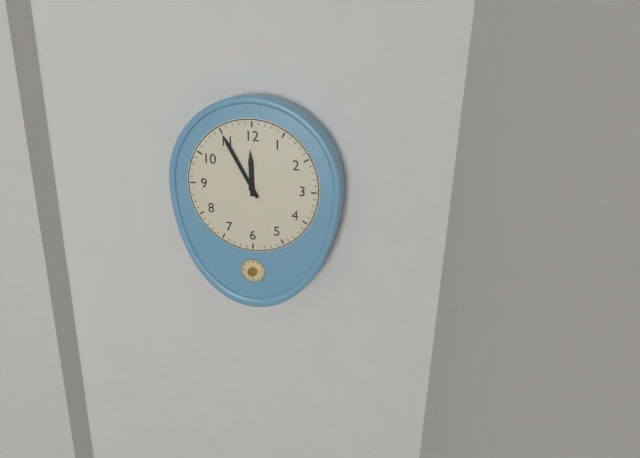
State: 11:55
